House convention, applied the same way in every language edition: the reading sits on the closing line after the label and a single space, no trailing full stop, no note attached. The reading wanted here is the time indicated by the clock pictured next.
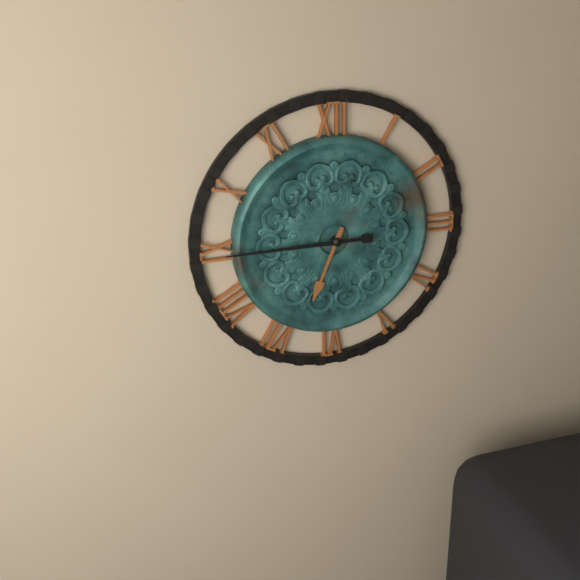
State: 6:45
